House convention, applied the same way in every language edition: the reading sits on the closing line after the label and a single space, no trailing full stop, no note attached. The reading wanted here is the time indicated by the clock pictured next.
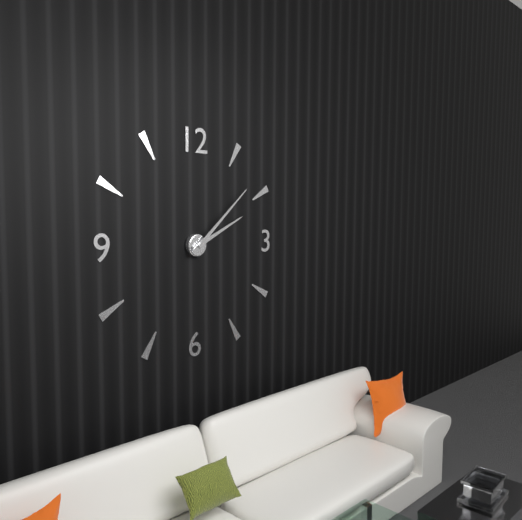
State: 2:08
